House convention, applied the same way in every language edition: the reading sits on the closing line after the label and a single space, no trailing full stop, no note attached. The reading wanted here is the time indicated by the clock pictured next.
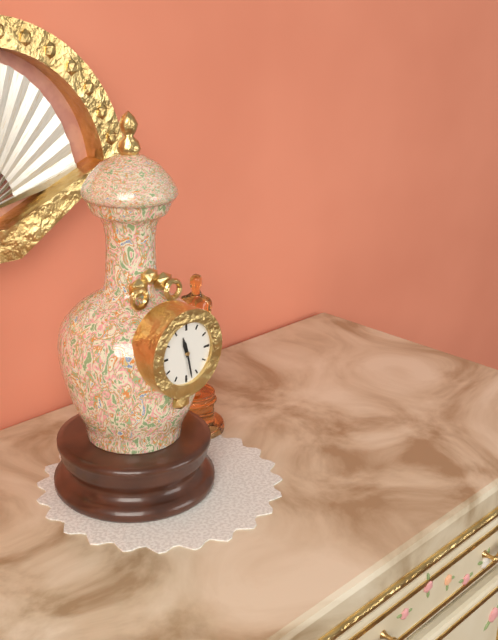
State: 11:28
